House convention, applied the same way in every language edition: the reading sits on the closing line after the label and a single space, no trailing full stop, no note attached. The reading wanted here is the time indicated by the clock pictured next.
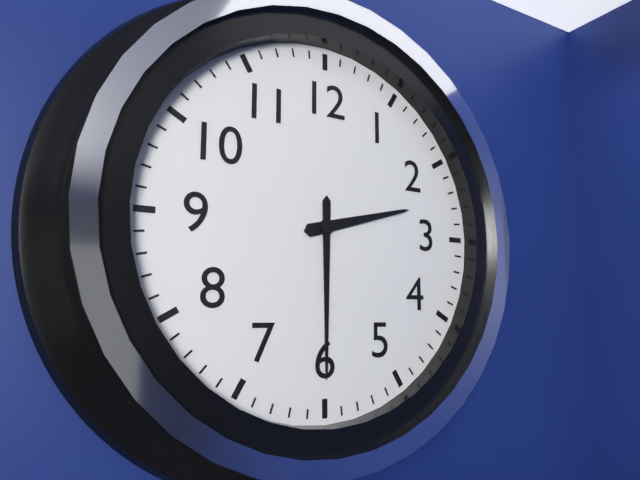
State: 2:30
